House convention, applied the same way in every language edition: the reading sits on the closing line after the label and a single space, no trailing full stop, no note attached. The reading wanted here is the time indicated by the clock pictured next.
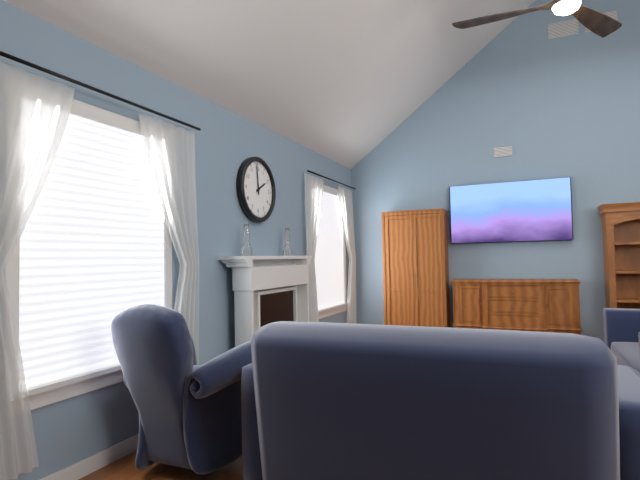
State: 1:59
